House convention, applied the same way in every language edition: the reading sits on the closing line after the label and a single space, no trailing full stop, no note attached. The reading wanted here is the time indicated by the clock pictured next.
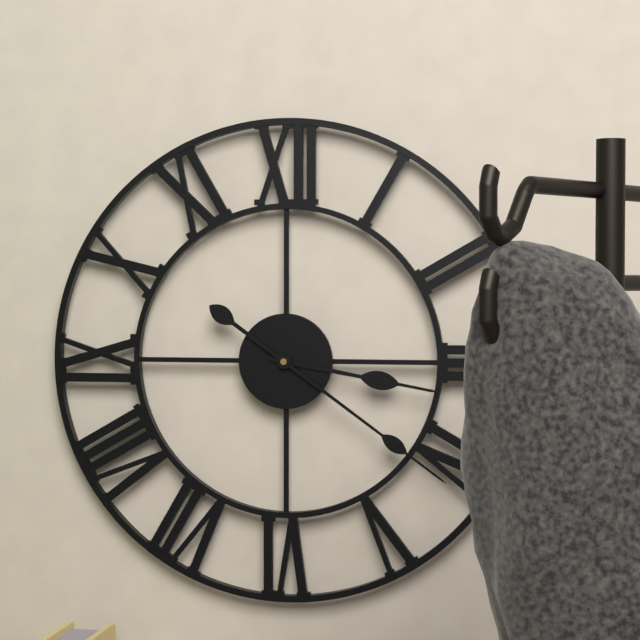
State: 3:21
